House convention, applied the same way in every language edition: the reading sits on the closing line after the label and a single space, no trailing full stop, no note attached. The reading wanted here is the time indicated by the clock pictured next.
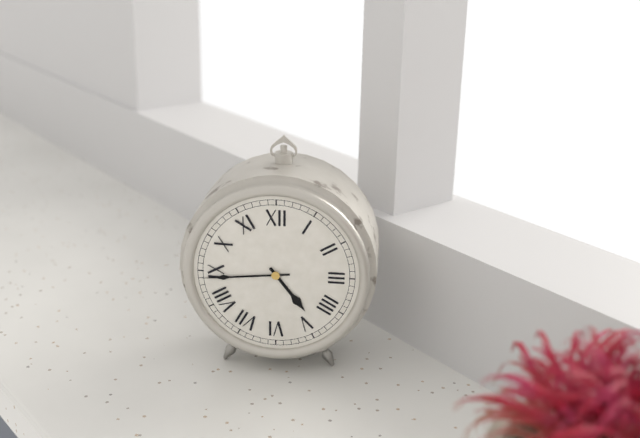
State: 4:44
